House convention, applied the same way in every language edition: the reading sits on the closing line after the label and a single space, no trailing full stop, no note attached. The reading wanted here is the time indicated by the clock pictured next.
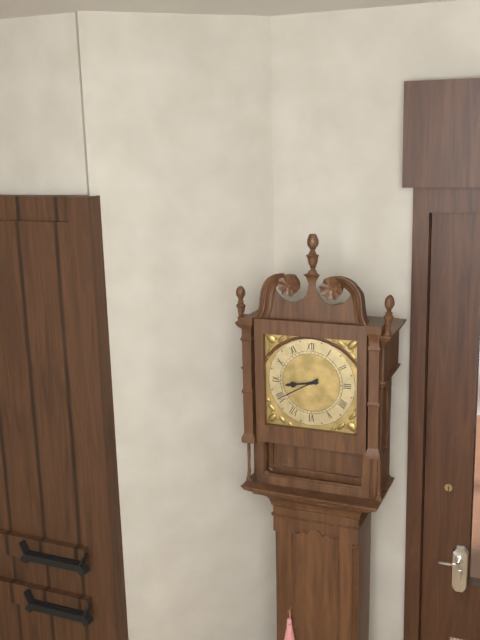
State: 8:40
